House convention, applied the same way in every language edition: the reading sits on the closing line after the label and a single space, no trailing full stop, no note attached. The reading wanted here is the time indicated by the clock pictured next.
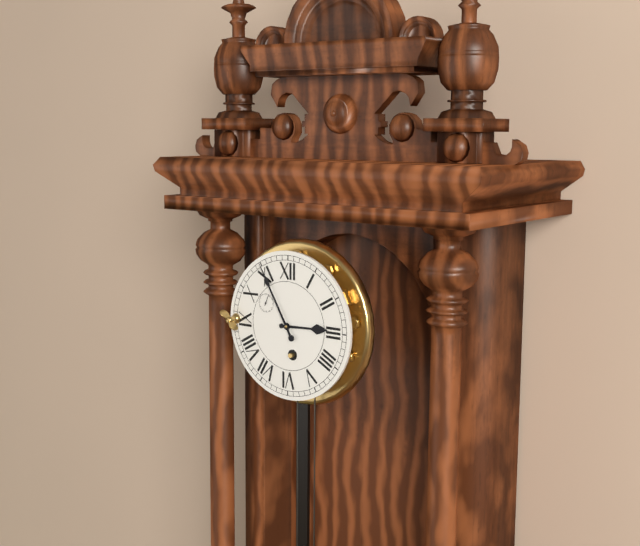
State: 2:55
